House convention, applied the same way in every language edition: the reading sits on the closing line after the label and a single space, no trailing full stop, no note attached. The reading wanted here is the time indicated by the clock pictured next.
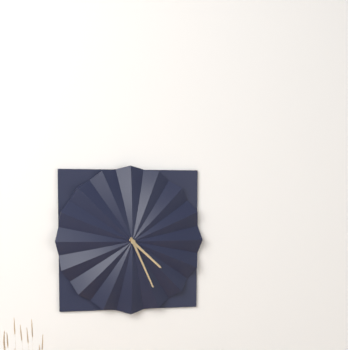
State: 4:26
